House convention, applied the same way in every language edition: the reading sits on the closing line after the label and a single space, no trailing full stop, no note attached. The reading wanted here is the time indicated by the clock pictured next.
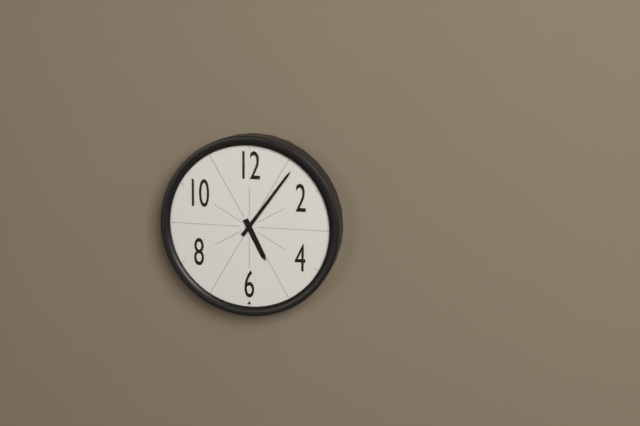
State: 5:06
